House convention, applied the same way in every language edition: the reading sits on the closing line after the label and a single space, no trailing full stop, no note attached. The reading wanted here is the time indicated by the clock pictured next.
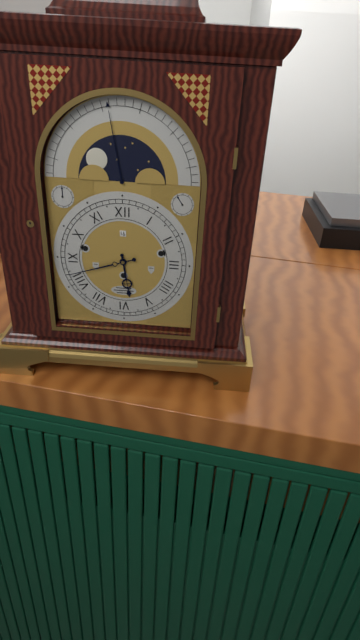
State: 5:42
